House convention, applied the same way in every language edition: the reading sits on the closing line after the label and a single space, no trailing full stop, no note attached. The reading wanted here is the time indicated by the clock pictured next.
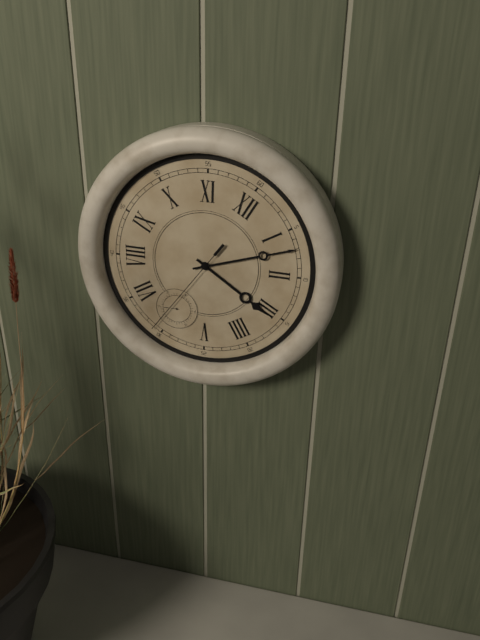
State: 3:07:31
